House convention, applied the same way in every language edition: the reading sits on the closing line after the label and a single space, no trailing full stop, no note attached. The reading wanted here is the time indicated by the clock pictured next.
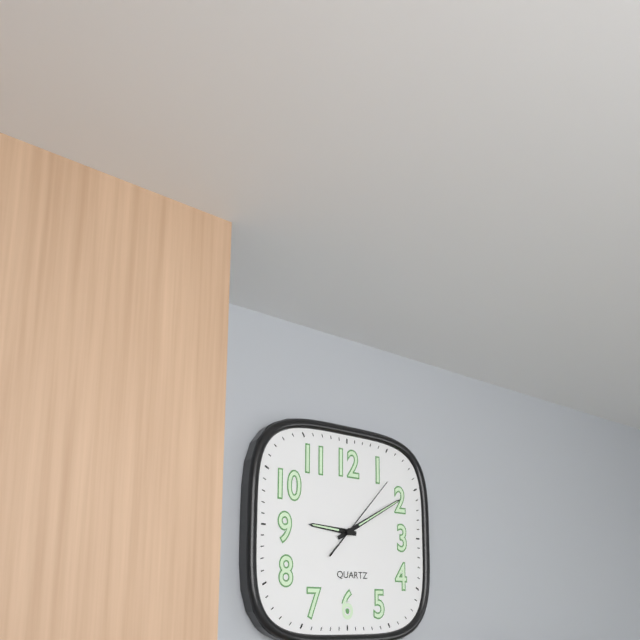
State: 9:10:07
